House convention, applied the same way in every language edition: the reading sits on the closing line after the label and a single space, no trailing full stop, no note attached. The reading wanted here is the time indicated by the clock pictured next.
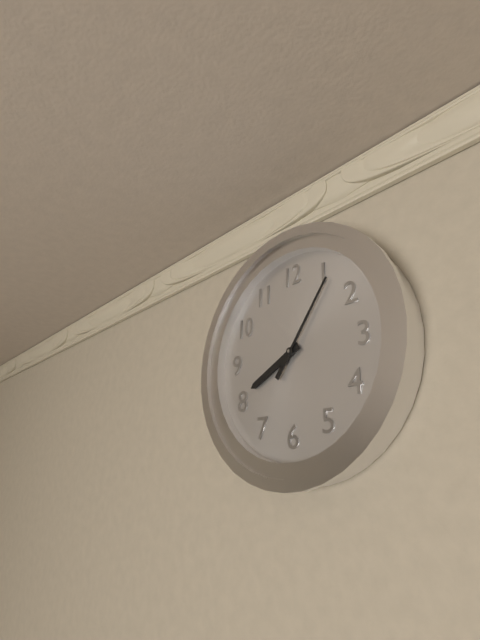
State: 8:06
